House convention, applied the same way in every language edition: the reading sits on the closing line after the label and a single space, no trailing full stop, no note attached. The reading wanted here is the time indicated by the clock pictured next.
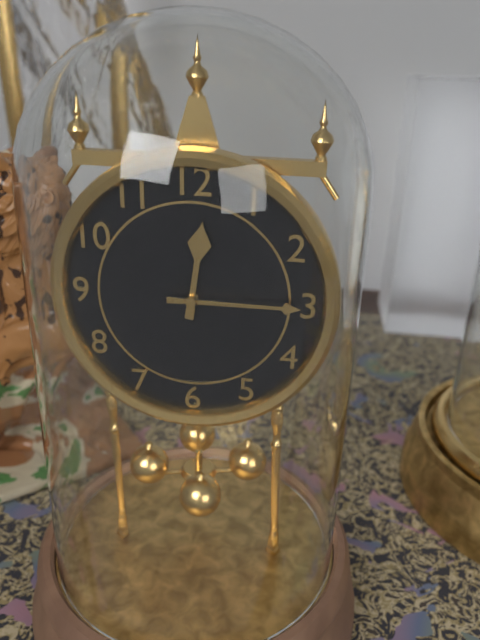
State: 12:15
